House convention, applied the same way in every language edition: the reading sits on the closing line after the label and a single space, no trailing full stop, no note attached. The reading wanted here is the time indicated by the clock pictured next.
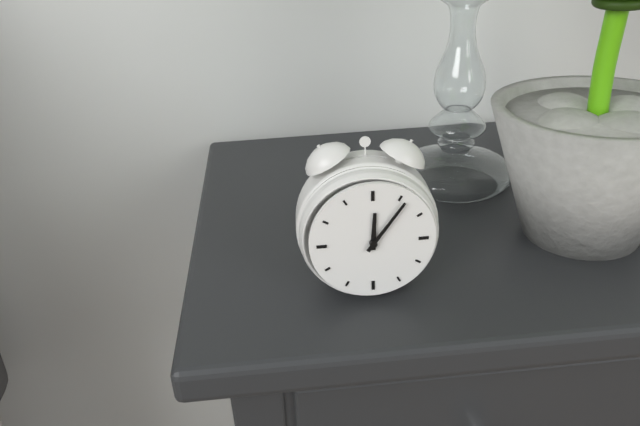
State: 12:06
